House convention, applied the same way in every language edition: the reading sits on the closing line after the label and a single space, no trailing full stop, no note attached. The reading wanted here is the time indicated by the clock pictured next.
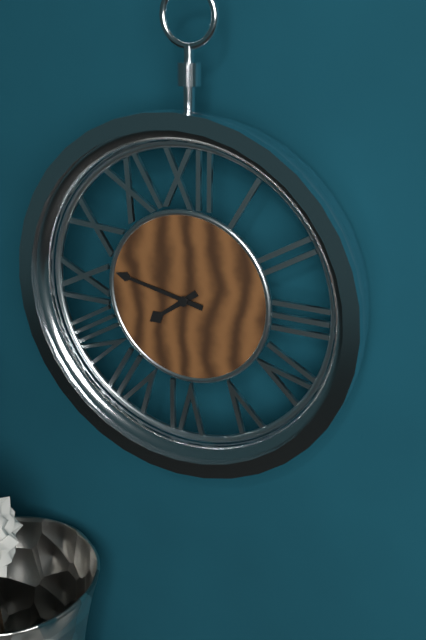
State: 7:47
